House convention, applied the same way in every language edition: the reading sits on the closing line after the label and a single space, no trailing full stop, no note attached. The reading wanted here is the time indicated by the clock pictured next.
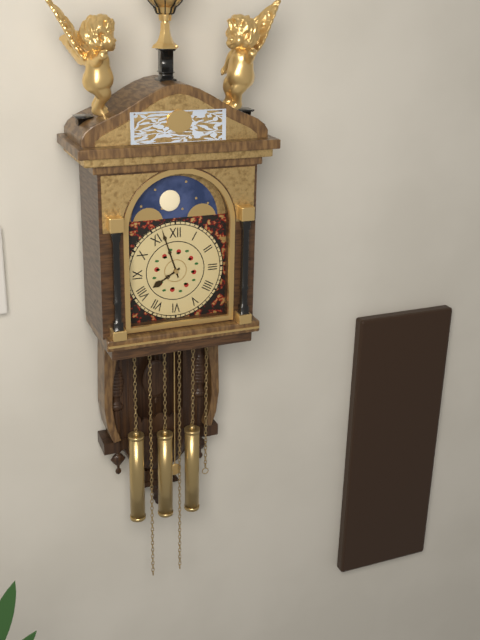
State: 7:57
